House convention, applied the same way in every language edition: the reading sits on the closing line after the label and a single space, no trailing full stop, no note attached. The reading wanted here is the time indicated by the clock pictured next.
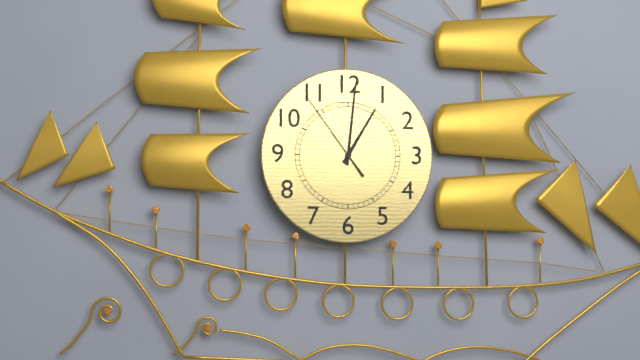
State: 1:01:54
